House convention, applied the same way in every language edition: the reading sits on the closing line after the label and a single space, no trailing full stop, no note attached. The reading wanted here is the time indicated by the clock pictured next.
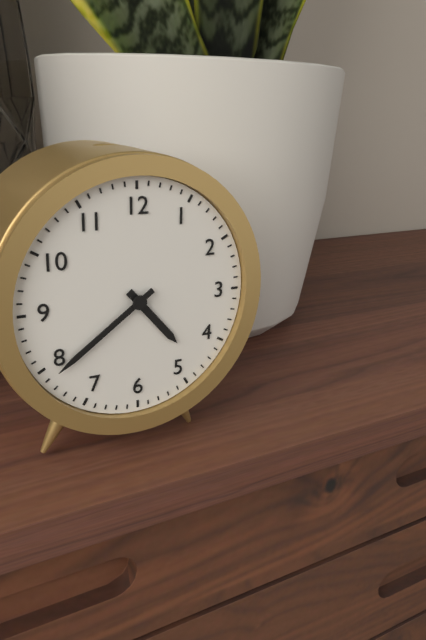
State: 4:39
